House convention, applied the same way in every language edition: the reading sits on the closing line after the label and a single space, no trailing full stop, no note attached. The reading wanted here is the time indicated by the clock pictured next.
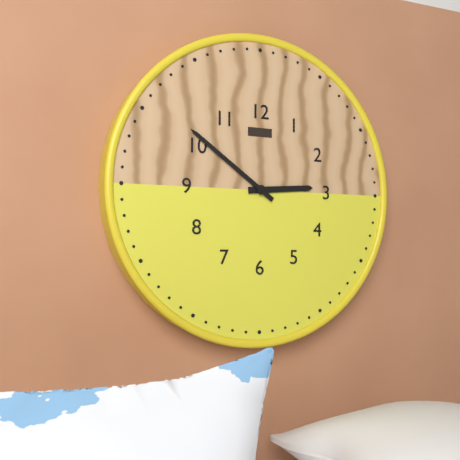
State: 2:51
